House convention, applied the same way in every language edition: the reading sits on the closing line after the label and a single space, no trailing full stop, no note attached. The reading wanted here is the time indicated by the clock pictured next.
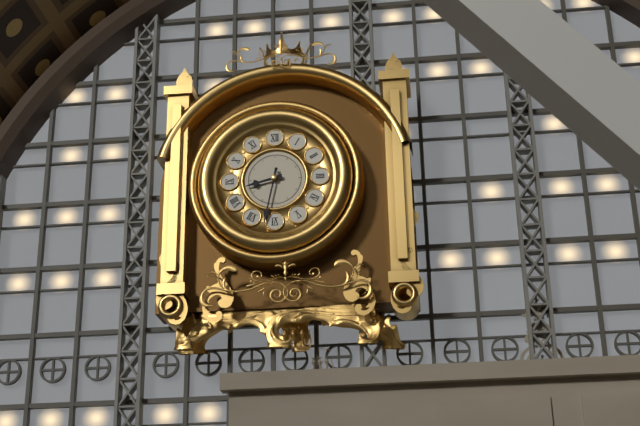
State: 8:32
